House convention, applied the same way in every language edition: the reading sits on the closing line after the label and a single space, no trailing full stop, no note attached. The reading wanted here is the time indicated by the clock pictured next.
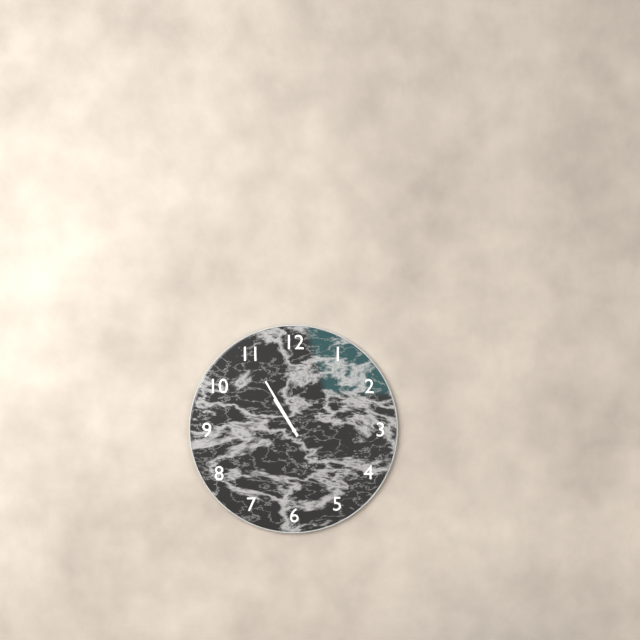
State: 10:55
